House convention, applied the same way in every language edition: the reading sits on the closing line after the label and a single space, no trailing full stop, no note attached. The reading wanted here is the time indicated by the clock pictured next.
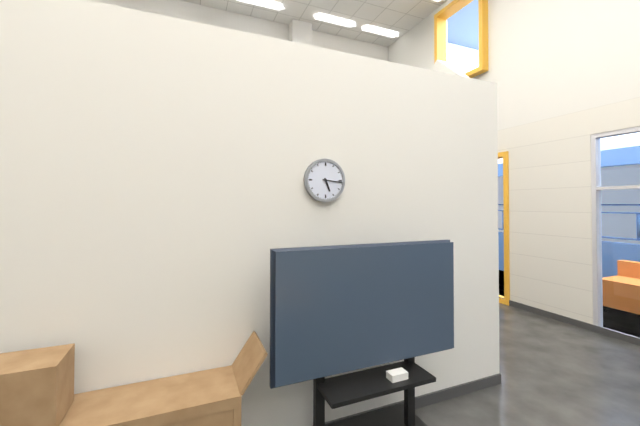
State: 5:16
